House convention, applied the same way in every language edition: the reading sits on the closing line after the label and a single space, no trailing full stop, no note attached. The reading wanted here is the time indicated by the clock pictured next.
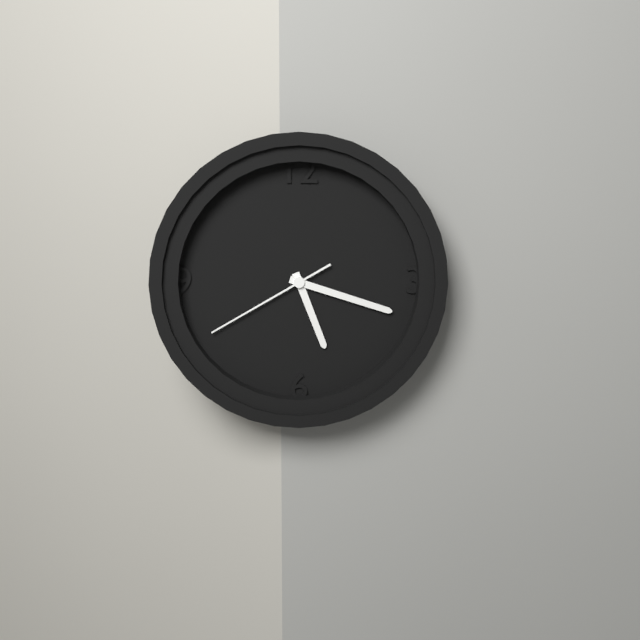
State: 5:18:40
